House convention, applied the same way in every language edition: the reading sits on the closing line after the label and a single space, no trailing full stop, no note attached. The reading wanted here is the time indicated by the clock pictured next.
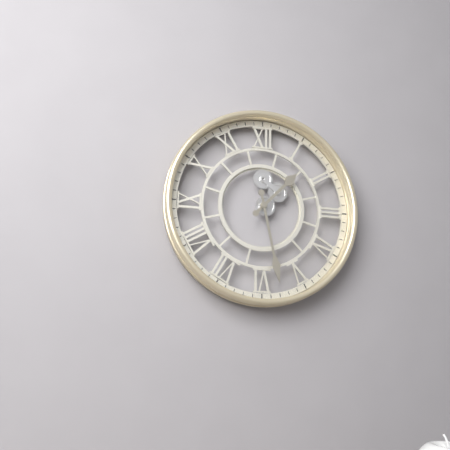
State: 1:28
